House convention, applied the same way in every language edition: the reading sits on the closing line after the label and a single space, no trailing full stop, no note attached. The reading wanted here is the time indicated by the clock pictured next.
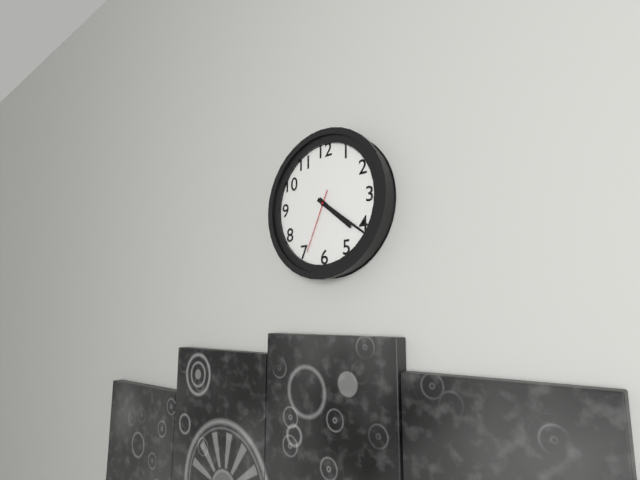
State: 4:21:34
